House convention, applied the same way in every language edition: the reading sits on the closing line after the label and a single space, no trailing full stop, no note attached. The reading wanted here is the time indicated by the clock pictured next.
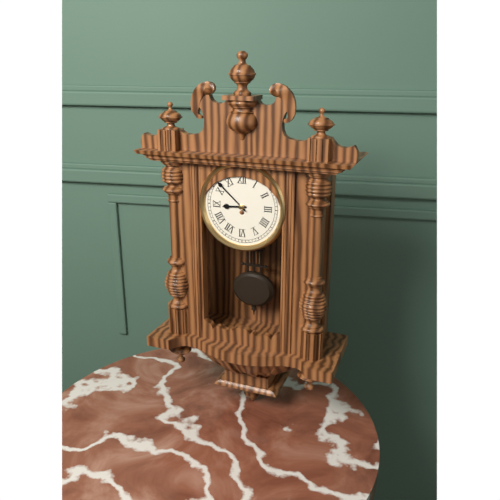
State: 8:52
